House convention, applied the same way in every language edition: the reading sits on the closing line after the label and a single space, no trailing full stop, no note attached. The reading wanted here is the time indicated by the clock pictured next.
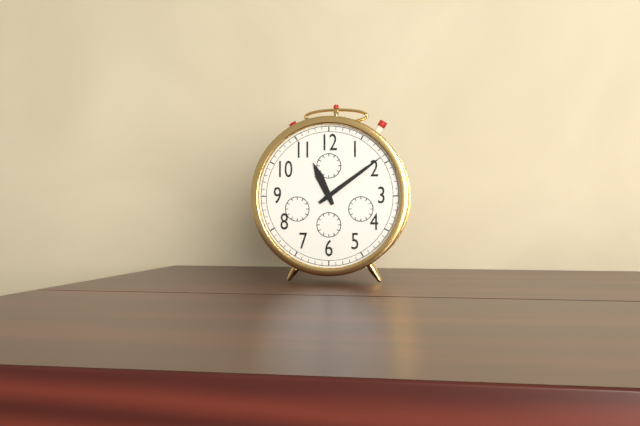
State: 11:09
